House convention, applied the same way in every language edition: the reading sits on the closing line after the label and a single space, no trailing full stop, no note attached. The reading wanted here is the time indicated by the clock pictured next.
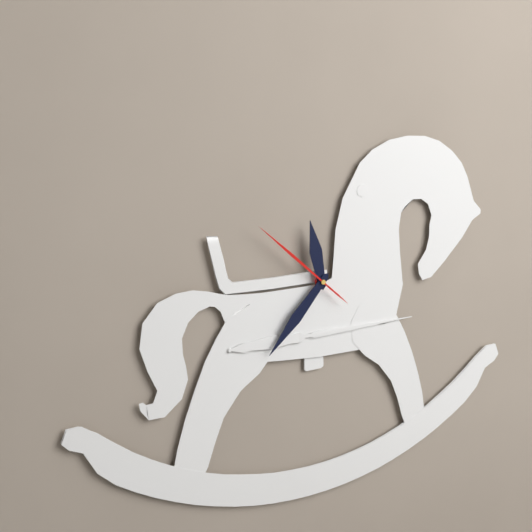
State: 11:37:52
